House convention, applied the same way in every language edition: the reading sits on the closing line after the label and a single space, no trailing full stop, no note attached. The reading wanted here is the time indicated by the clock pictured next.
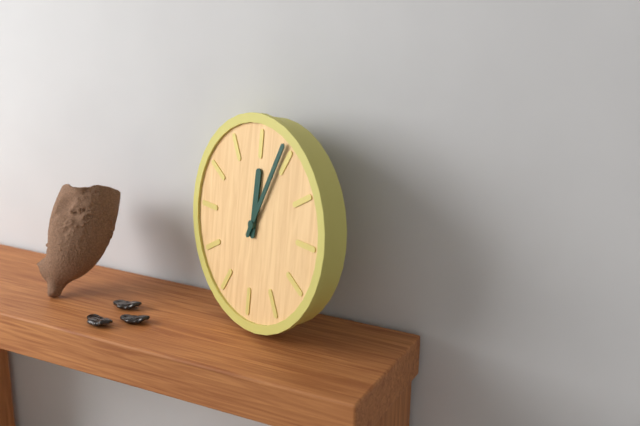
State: 12:04
